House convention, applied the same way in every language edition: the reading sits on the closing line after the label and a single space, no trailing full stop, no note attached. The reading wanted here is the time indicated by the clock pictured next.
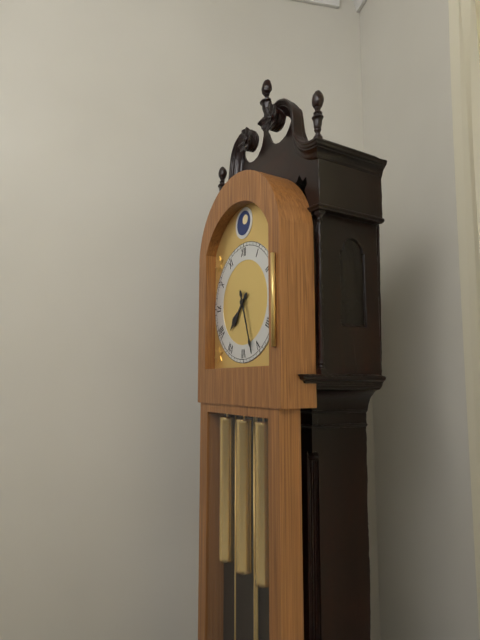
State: 7:27
